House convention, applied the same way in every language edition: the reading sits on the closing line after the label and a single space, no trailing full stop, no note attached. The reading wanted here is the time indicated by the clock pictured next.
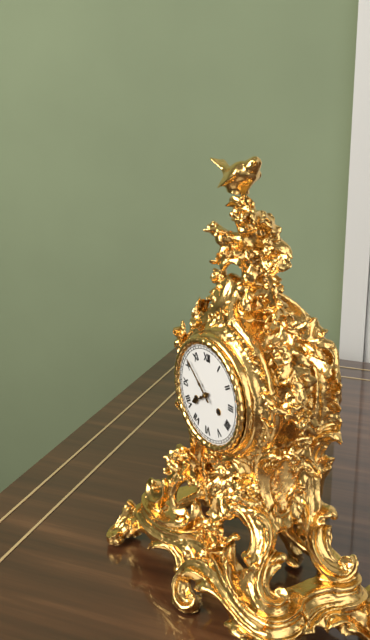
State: 7:52
